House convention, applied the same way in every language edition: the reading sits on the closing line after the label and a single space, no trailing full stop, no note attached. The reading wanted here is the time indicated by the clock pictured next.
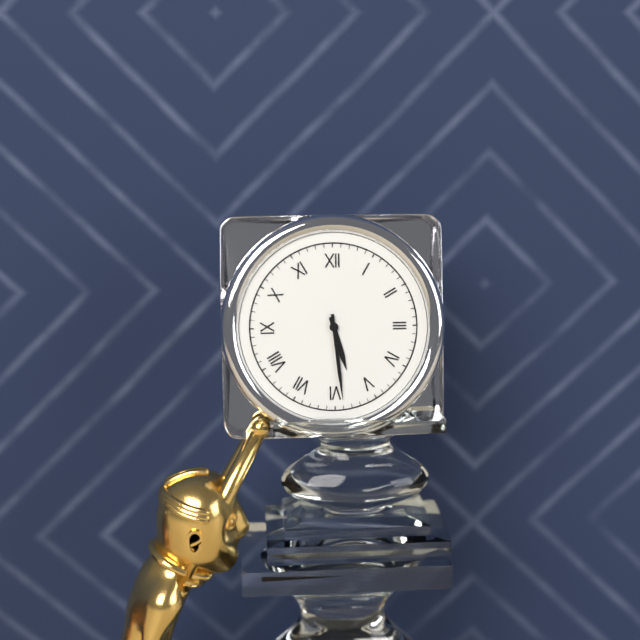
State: 5:29
